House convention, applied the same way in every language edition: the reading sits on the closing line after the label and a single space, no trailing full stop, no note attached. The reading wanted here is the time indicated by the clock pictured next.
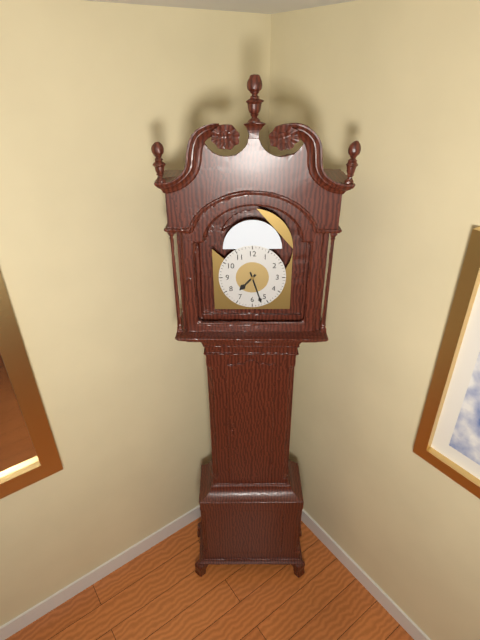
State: 7:27
